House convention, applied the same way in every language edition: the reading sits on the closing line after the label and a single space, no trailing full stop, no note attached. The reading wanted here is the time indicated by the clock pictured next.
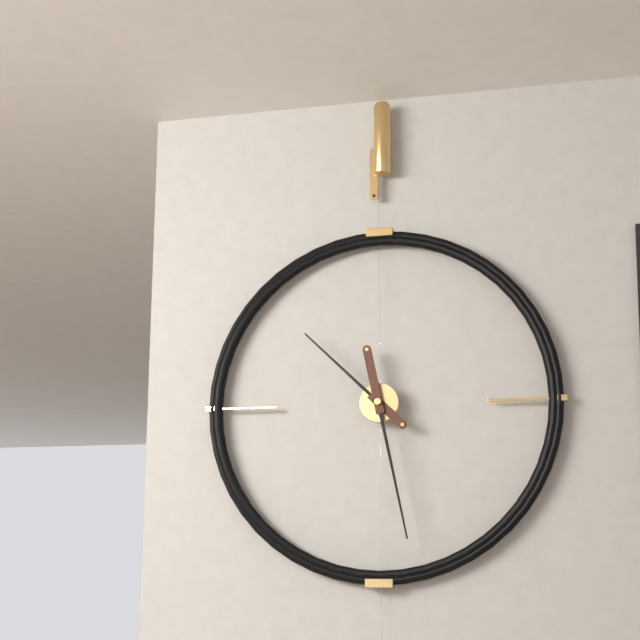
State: 10:28
